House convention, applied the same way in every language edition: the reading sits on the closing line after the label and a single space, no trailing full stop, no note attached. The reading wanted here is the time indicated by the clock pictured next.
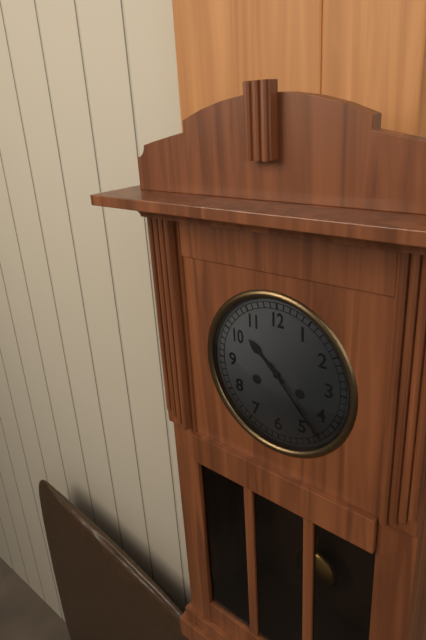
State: 10:23
